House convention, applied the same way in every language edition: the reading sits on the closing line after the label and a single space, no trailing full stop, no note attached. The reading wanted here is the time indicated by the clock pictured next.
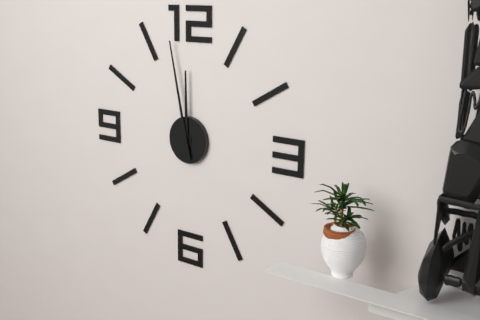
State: 11:58
